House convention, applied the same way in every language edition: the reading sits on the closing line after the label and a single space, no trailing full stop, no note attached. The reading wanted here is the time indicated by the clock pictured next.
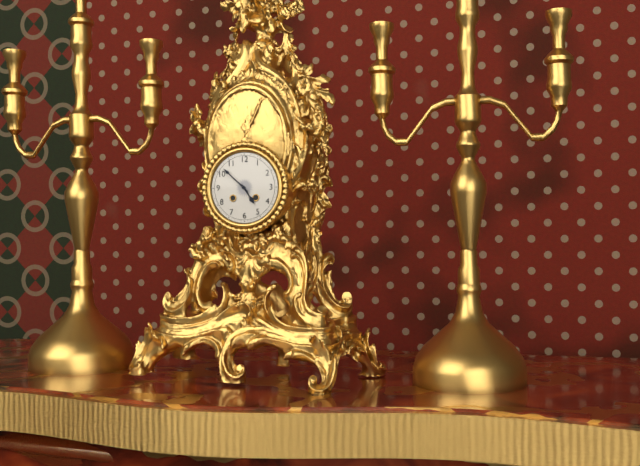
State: 4:52
